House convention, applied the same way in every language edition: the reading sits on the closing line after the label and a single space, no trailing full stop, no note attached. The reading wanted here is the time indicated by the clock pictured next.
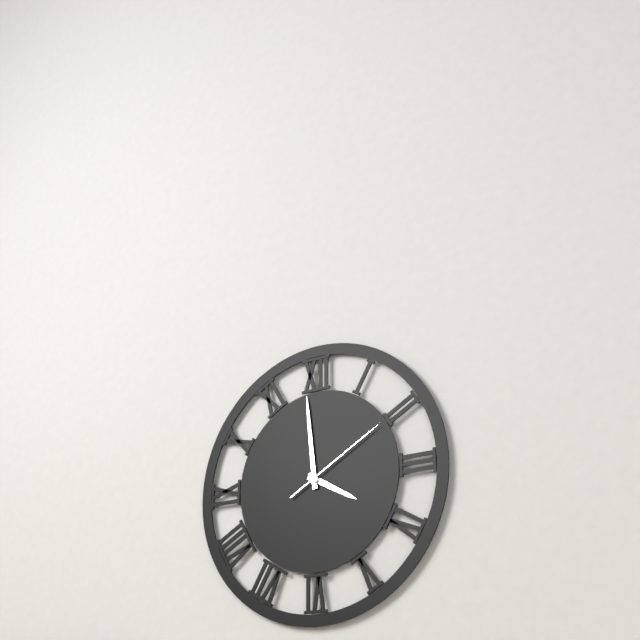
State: 3:59:10
